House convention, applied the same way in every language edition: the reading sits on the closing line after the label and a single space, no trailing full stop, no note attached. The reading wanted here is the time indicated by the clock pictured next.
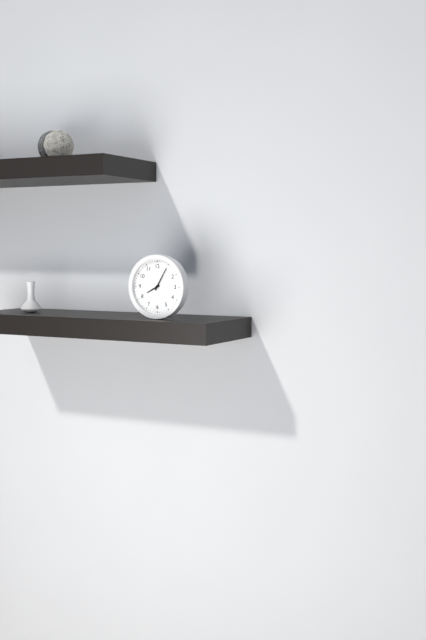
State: 8:05
